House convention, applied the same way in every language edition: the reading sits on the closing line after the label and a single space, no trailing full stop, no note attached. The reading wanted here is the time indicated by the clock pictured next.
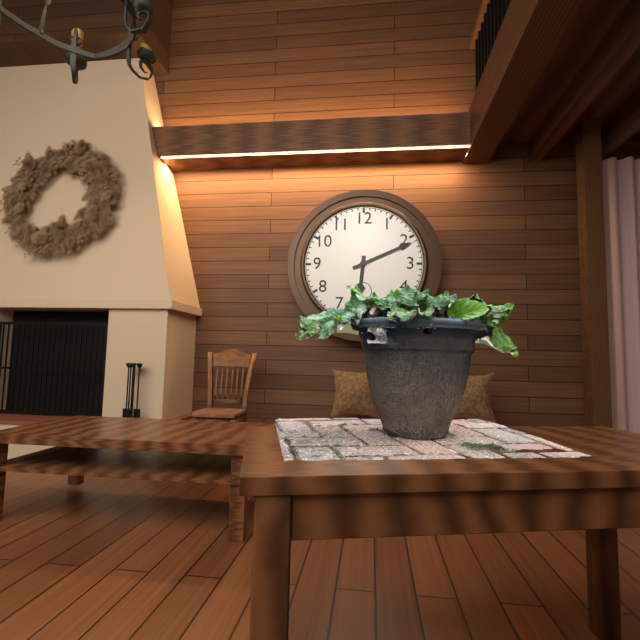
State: 6:11
